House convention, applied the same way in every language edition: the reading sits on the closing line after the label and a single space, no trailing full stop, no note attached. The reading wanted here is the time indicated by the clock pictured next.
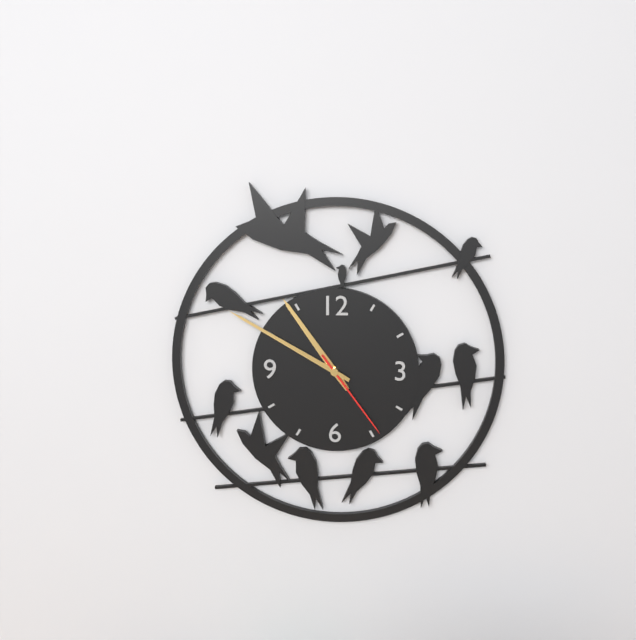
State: 10:50:24
